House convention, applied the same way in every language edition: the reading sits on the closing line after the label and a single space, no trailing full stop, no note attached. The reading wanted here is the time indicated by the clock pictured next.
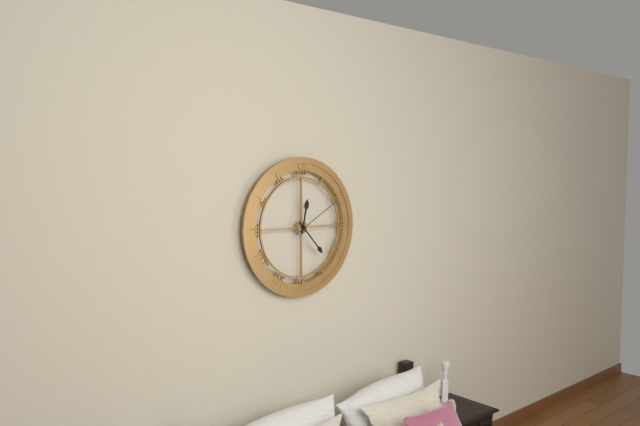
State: 12:23:10
